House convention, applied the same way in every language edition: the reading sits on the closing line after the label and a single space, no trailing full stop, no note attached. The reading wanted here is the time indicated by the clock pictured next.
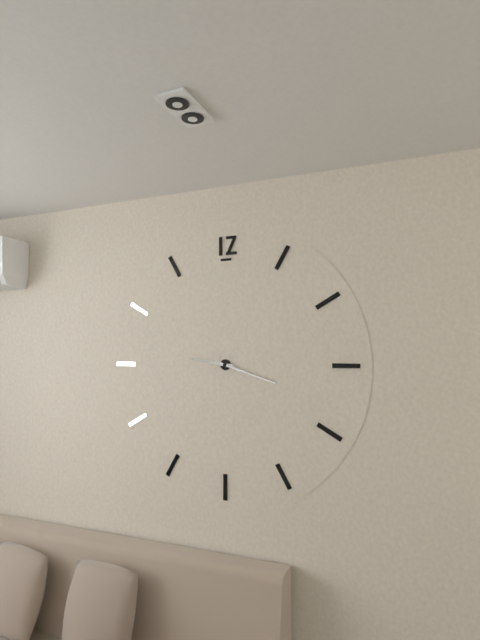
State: 9:18
